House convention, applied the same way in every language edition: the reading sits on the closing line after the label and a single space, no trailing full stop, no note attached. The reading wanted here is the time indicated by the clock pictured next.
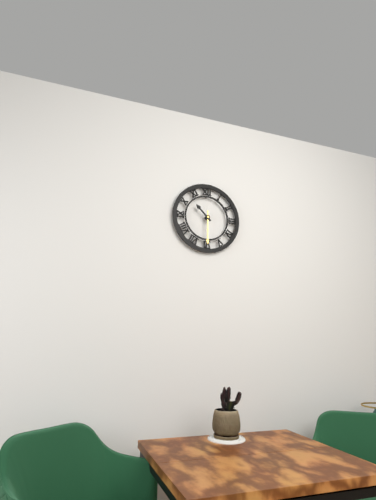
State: 10:30
